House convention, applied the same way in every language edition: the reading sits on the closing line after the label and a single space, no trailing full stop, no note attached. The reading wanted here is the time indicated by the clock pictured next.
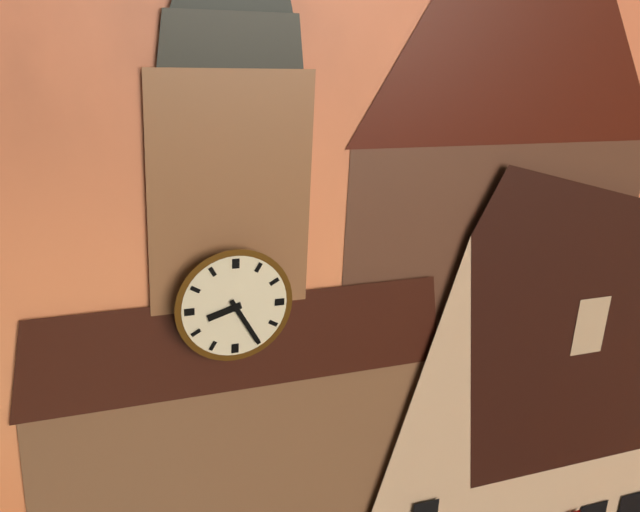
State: 8:25
